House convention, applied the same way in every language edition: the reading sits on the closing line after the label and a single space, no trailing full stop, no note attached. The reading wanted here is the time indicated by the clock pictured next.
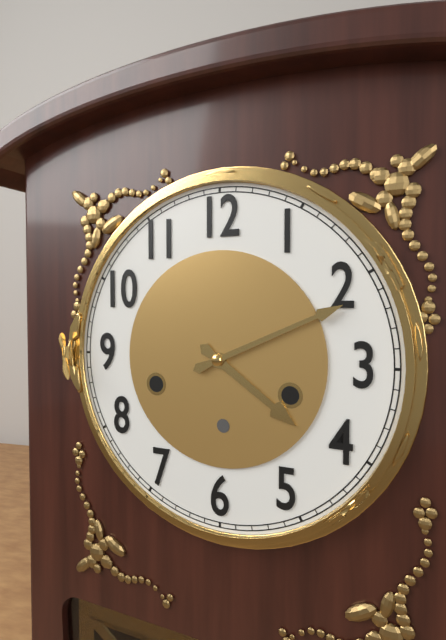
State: 4:11
